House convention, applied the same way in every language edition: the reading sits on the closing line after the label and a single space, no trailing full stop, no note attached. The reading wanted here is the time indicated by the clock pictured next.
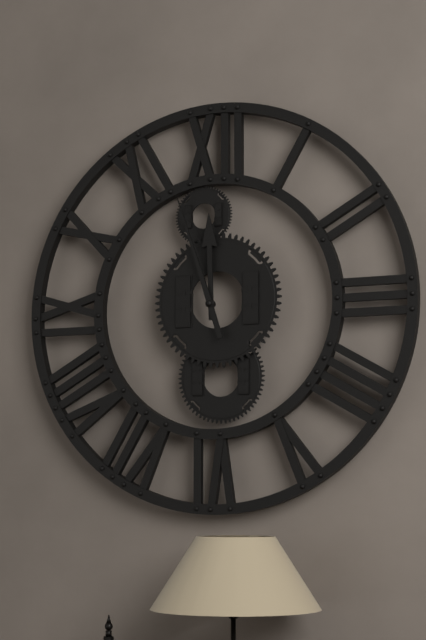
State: 11:57
